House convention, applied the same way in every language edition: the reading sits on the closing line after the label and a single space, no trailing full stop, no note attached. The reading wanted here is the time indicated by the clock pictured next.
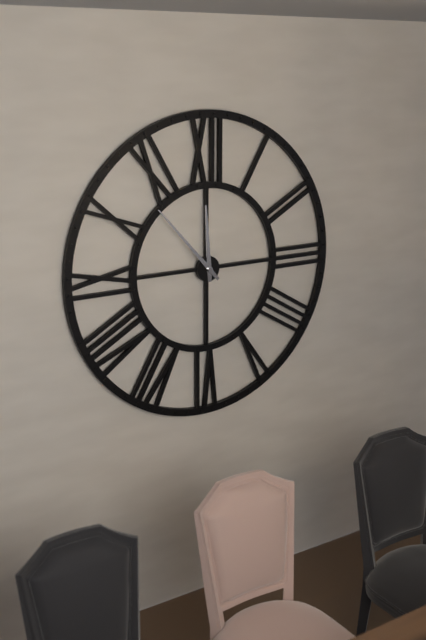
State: 11:53
